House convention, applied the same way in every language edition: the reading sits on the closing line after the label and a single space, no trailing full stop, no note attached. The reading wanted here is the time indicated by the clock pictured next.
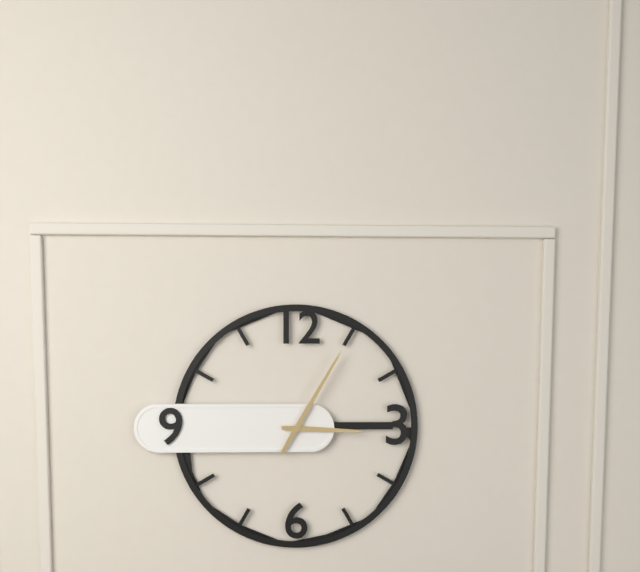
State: 3:05
